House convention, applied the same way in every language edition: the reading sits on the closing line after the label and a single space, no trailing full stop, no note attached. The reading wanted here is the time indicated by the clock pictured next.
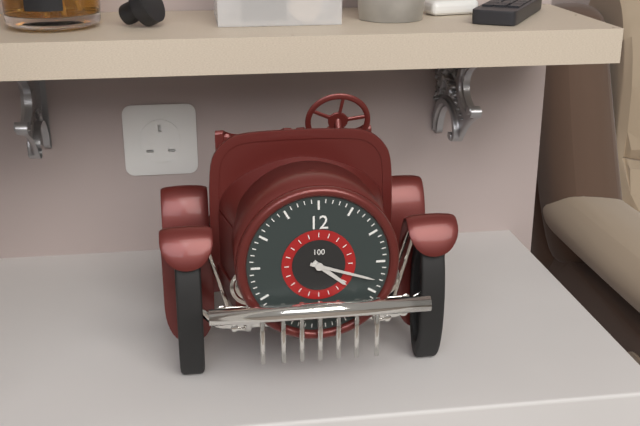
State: 4:18
